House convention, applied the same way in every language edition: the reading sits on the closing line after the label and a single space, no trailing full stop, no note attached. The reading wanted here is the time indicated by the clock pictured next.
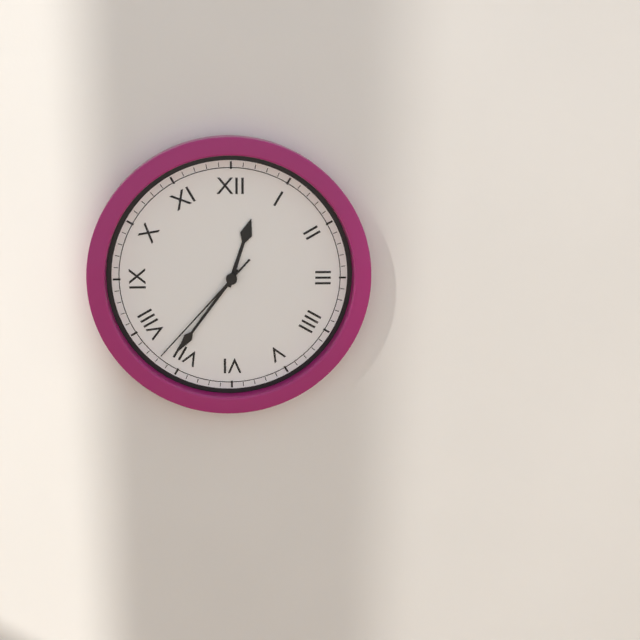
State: 12:36:37
